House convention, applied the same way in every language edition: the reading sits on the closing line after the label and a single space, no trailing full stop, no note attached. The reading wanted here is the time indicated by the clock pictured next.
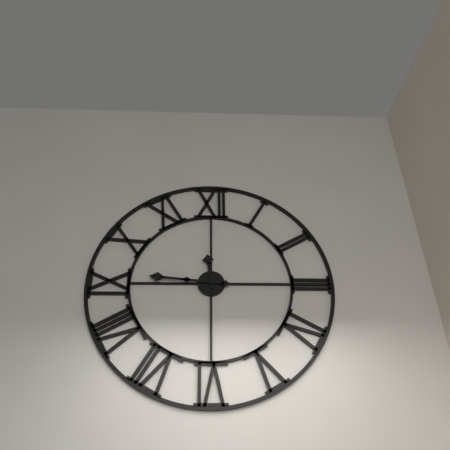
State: 11:46
